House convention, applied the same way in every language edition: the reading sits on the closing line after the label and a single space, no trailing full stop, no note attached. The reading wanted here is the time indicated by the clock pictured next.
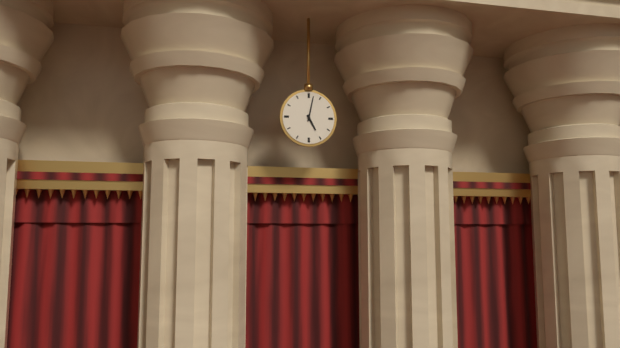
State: 5:02
